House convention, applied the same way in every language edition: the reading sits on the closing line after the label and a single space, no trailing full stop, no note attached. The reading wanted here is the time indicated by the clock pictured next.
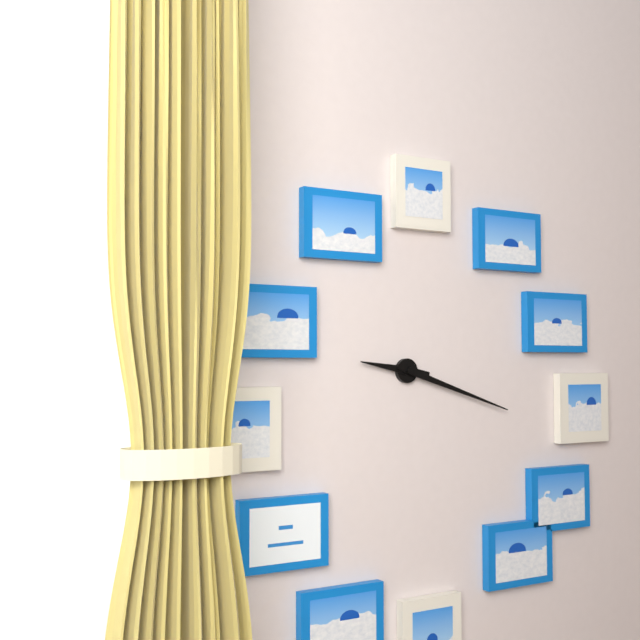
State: 9:18
